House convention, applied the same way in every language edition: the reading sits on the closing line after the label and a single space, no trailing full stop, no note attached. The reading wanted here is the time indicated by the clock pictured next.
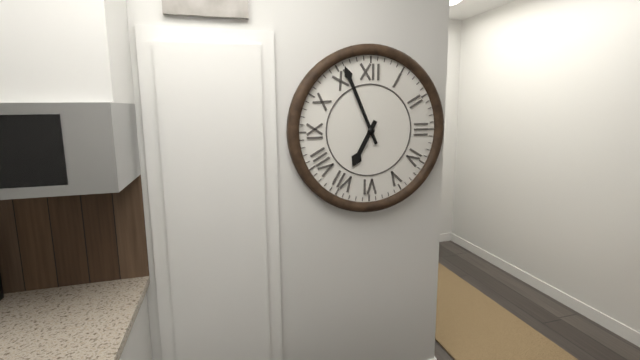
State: 6:56
